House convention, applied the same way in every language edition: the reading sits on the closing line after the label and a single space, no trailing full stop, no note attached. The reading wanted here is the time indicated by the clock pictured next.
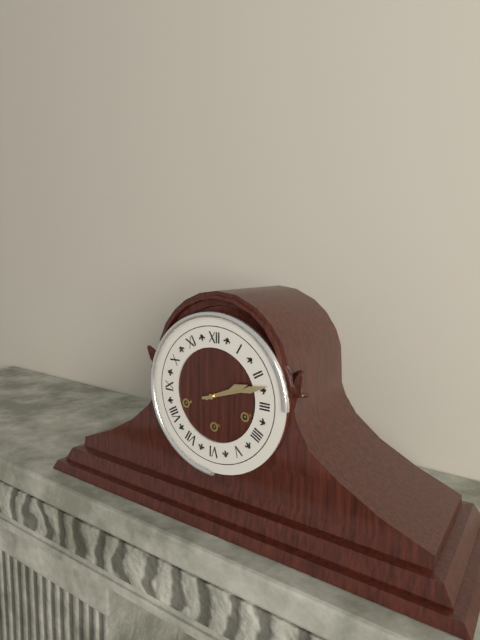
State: 2:12
